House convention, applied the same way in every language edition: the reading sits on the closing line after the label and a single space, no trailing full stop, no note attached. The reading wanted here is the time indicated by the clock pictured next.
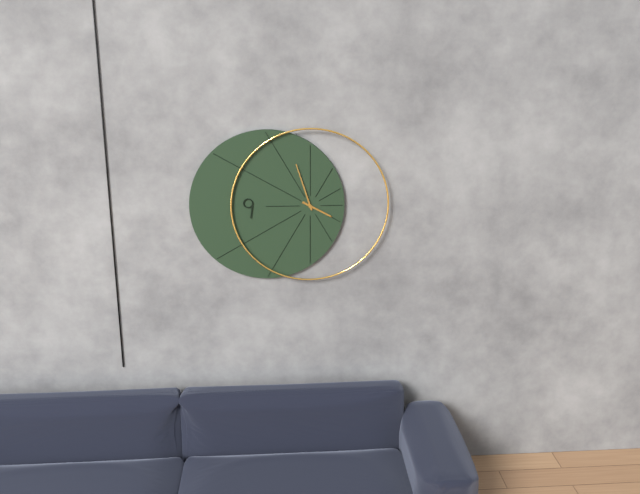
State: 3:57
